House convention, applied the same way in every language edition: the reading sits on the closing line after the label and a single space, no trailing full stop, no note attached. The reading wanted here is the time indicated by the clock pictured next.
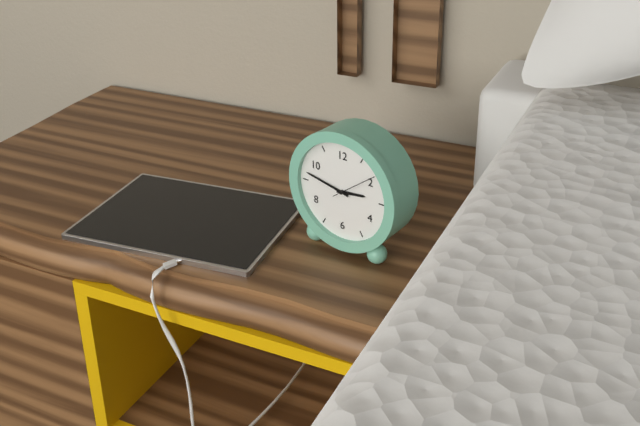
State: 2:47
